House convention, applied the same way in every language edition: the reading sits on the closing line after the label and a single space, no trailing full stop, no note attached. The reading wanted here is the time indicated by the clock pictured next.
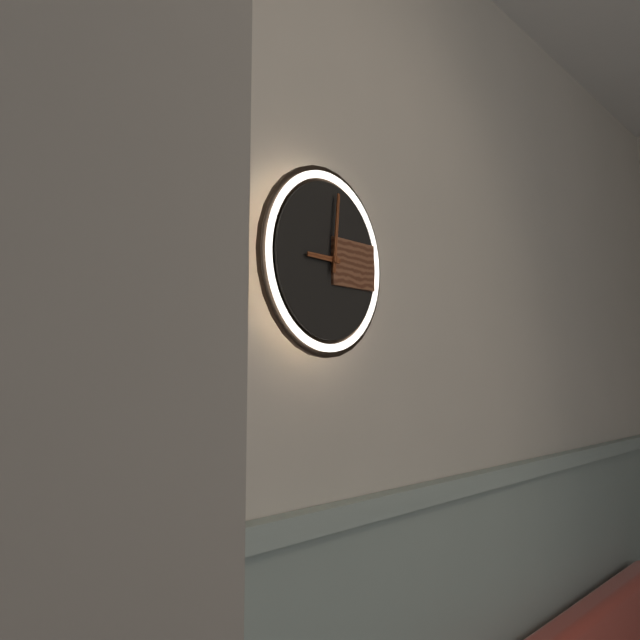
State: 9:01
